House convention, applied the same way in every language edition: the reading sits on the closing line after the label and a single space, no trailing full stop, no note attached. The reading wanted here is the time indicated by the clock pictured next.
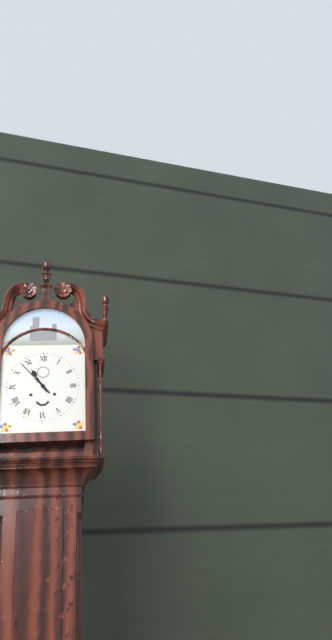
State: 10:53
